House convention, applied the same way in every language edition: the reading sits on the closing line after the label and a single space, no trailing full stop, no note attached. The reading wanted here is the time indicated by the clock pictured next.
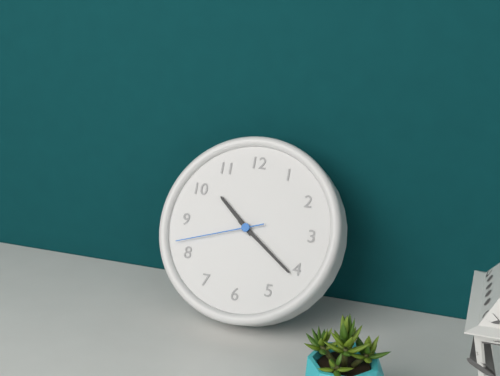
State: 10:21:42
